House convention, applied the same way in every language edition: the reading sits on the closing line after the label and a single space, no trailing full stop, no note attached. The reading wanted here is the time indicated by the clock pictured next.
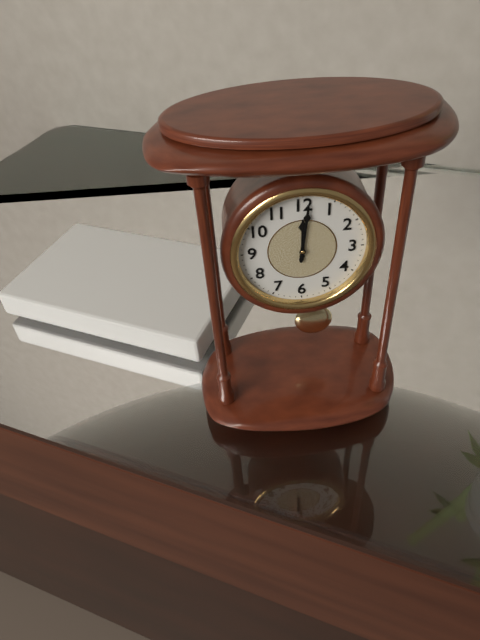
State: 12:01
